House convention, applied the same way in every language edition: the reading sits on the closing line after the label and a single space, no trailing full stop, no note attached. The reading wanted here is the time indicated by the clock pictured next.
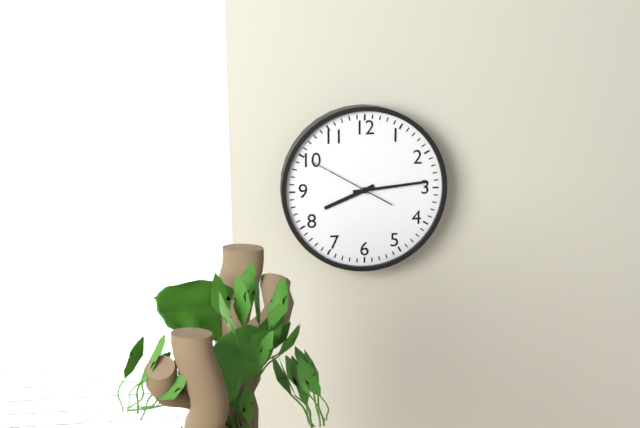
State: 8:14:50
